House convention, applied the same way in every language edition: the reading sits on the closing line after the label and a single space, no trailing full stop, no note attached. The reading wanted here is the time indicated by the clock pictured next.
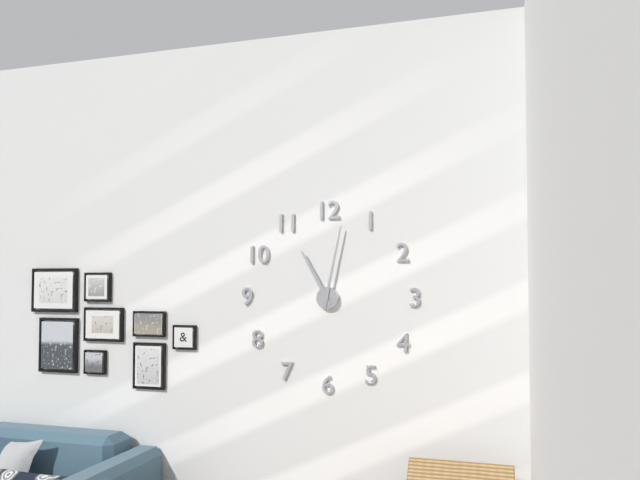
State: 11:02
